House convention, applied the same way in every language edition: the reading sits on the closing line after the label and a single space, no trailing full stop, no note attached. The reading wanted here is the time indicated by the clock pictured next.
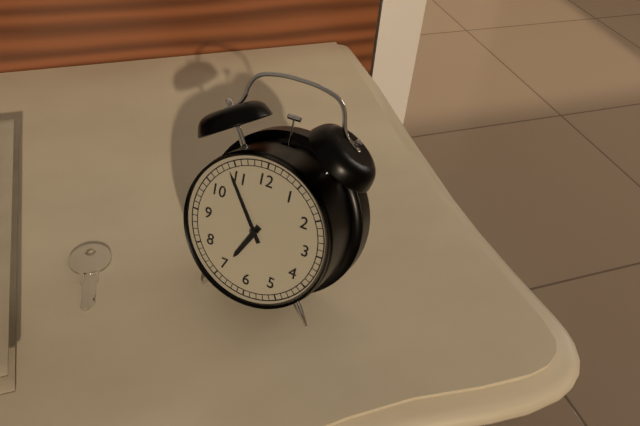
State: 6:54
